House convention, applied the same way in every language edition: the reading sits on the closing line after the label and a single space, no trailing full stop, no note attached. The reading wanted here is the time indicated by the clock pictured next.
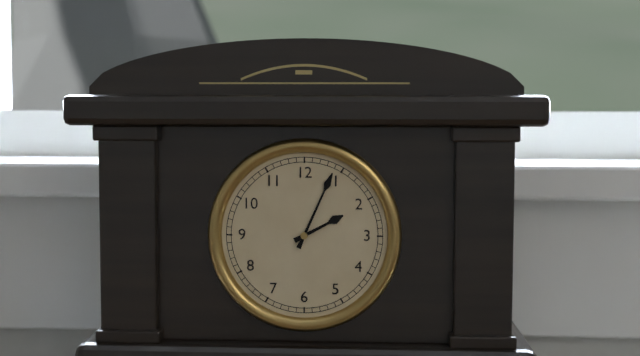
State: 2:04
